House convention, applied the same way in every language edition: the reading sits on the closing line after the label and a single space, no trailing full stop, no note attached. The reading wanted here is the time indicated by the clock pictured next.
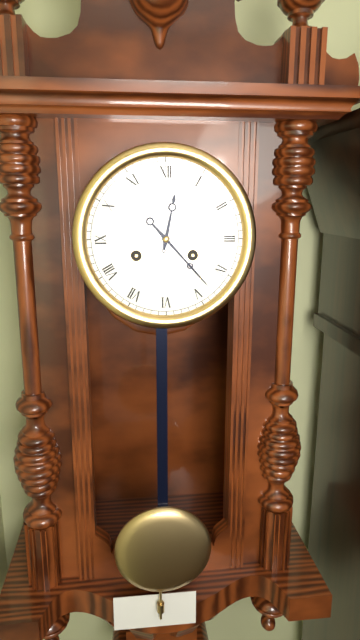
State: 12:23
